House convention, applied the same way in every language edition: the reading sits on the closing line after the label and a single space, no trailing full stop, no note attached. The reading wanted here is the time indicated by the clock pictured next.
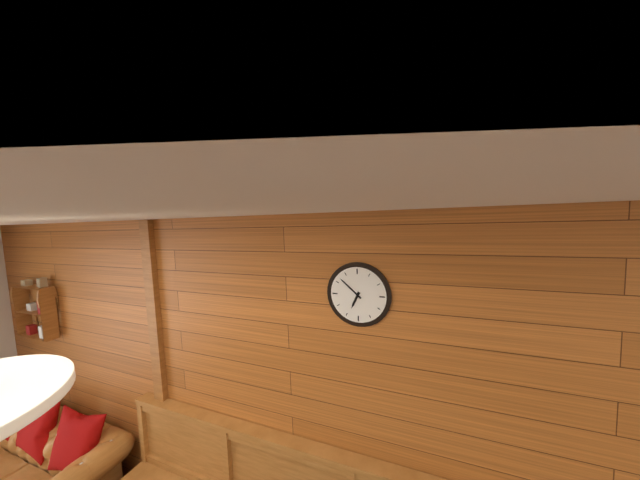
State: 6:52
